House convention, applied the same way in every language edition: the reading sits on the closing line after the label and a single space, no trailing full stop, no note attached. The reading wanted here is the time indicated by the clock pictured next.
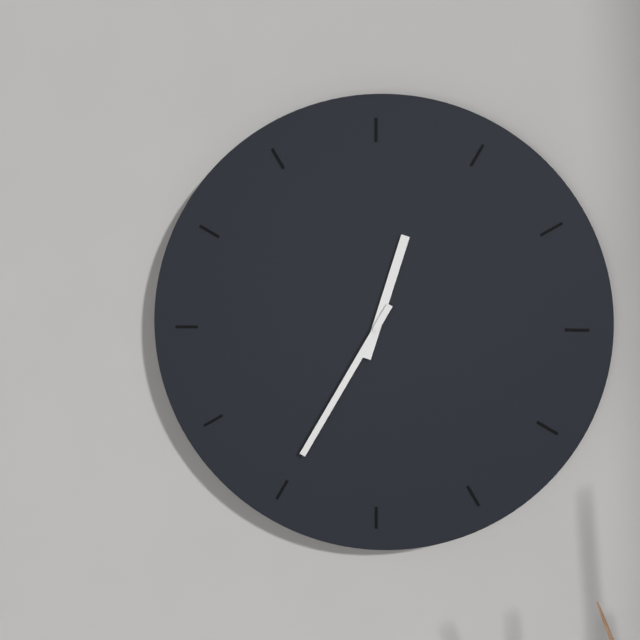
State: 12:35
